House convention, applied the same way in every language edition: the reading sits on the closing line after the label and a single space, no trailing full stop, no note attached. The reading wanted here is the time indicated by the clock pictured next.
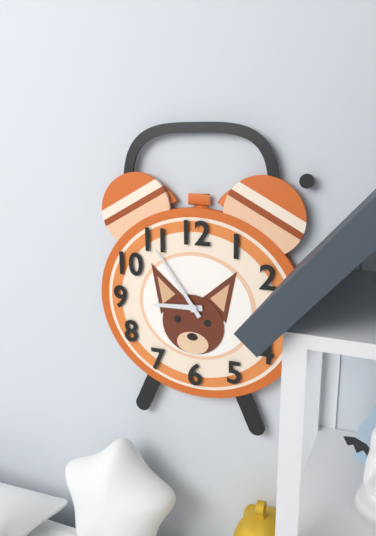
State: 8:54
